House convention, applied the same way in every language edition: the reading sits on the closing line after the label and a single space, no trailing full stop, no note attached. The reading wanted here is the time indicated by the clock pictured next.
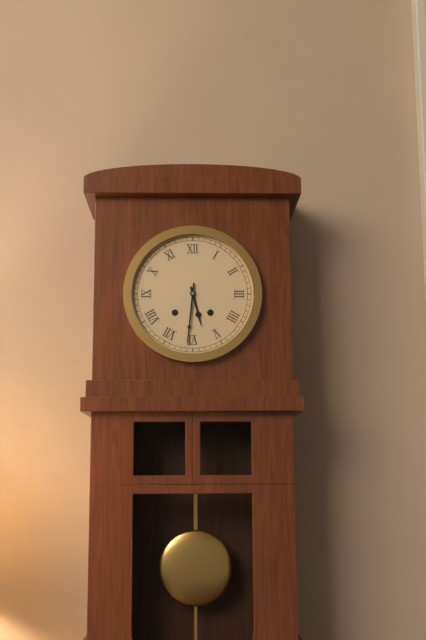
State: 5:31
